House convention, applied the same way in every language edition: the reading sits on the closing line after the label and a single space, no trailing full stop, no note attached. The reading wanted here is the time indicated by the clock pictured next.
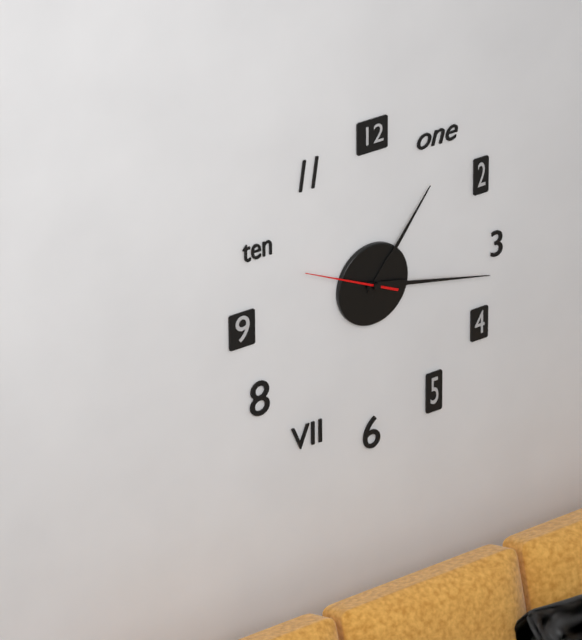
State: 1:17:49
